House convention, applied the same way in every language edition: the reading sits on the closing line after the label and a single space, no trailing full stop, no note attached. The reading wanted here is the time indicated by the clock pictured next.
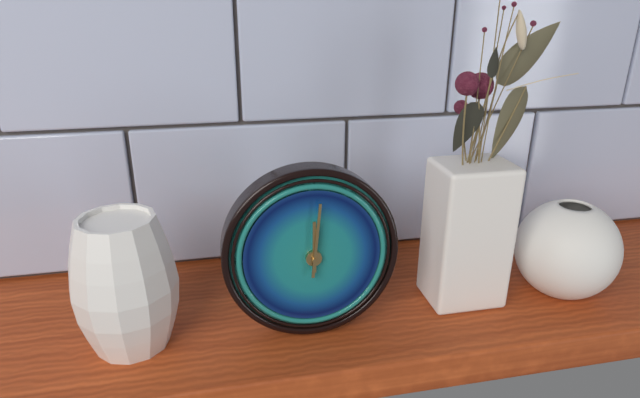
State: 12:01
